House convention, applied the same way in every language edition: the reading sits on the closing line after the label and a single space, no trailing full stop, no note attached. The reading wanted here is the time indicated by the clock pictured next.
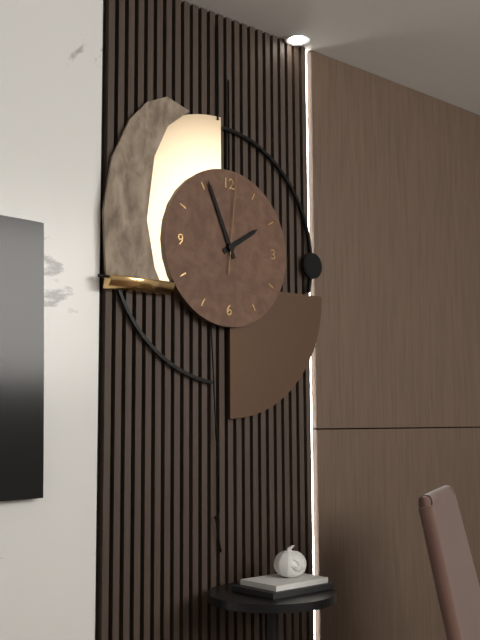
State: 1:56:01
